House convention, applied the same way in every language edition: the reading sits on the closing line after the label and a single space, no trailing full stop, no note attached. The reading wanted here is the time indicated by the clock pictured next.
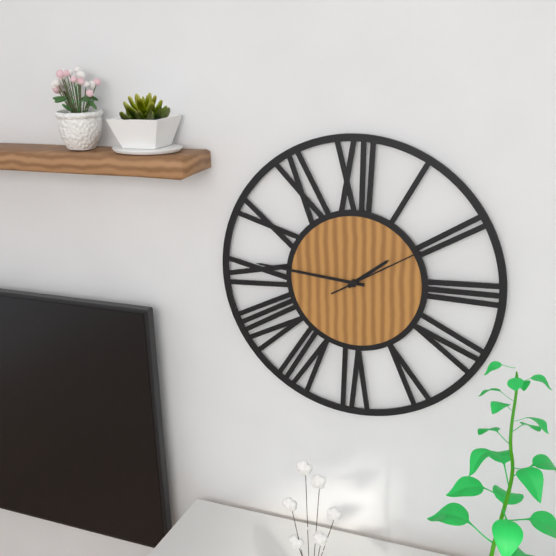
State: 1:46:10
